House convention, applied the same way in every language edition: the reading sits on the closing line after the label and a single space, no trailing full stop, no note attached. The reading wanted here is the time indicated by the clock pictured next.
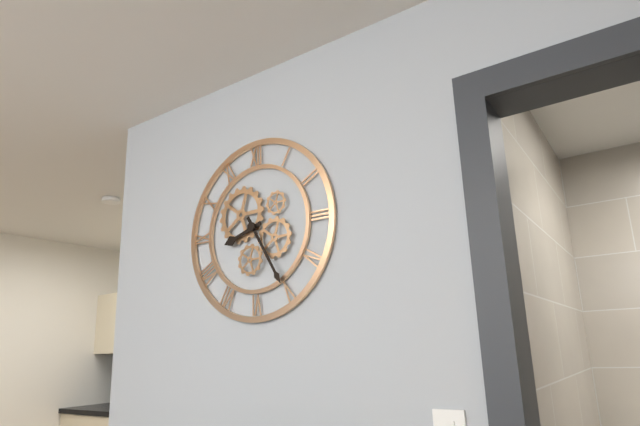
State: 8:25
